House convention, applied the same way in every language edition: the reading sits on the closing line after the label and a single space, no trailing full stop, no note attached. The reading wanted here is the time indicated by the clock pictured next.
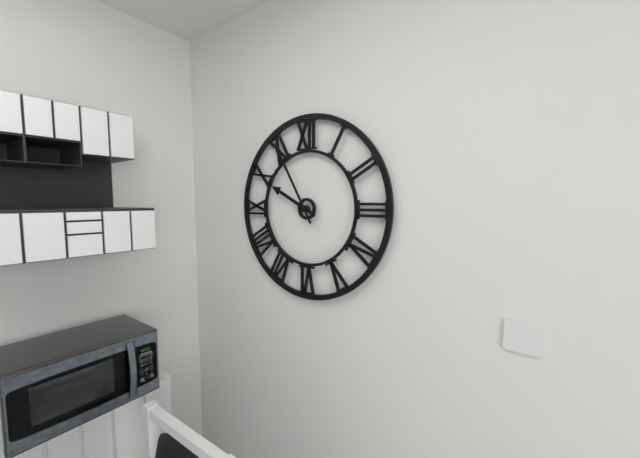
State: 9:55
